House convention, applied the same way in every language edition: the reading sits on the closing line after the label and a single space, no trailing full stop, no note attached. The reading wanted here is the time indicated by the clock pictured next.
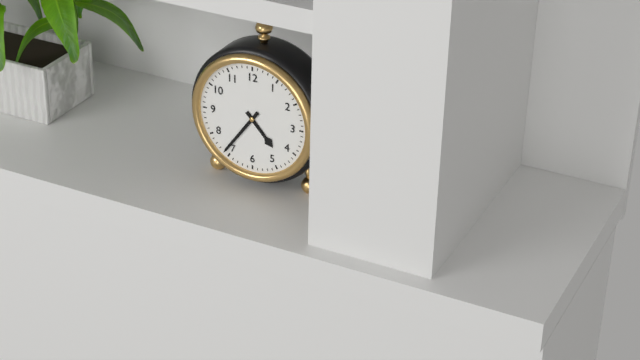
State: 4:36
